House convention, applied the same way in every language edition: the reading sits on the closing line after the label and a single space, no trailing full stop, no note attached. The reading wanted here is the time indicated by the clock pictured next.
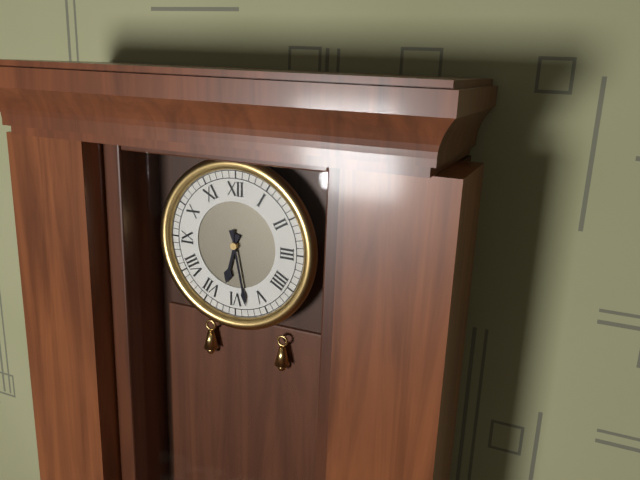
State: 6:28
